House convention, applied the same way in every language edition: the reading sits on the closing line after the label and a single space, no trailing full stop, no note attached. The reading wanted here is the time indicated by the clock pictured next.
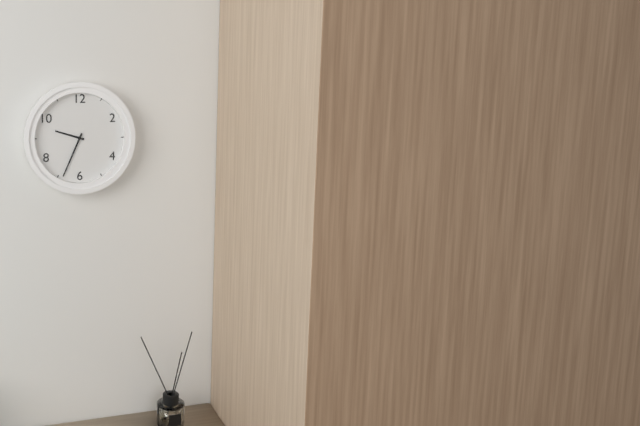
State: 9:34
